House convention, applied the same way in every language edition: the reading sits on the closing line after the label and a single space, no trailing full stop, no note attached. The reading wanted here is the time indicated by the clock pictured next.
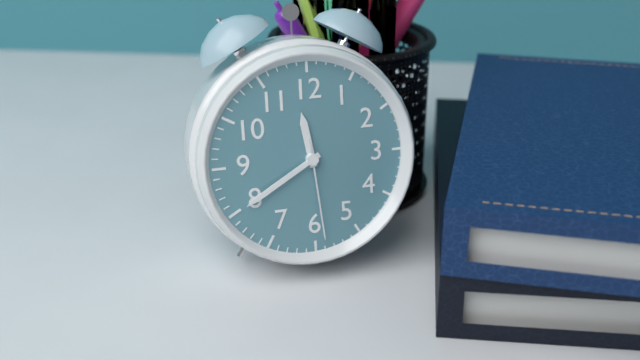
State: 11:40:29
